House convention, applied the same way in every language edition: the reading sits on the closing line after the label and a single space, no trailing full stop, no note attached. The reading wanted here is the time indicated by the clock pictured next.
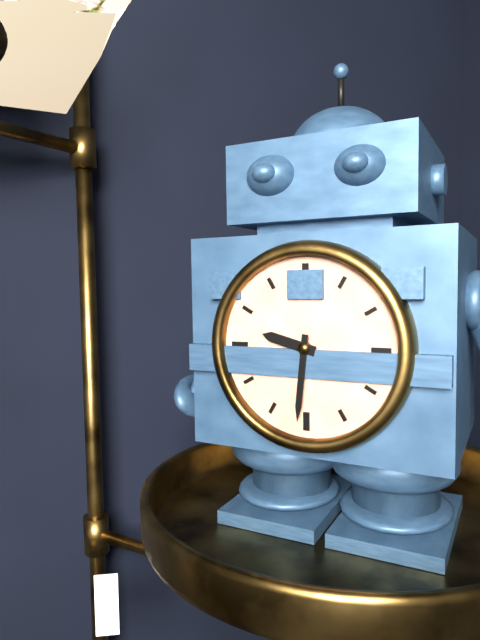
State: 9:31
